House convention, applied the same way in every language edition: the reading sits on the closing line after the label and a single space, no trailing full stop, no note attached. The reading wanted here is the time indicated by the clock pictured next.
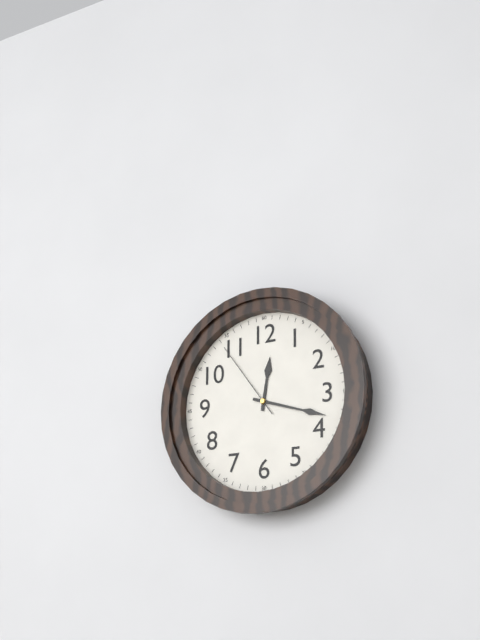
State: 12:18:54
